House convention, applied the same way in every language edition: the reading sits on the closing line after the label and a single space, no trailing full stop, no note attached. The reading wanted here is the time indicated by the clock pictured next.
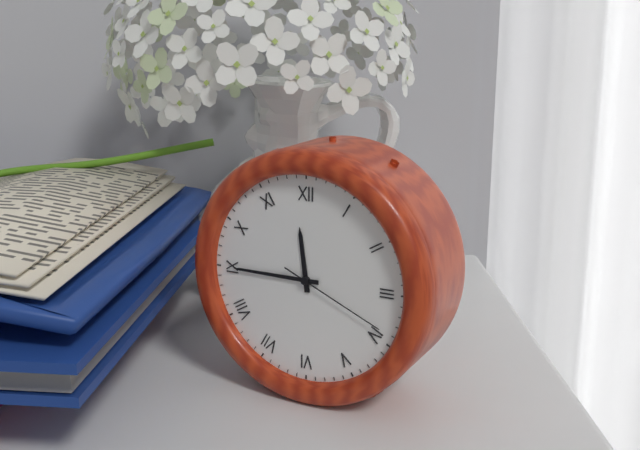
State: 11:45:19
